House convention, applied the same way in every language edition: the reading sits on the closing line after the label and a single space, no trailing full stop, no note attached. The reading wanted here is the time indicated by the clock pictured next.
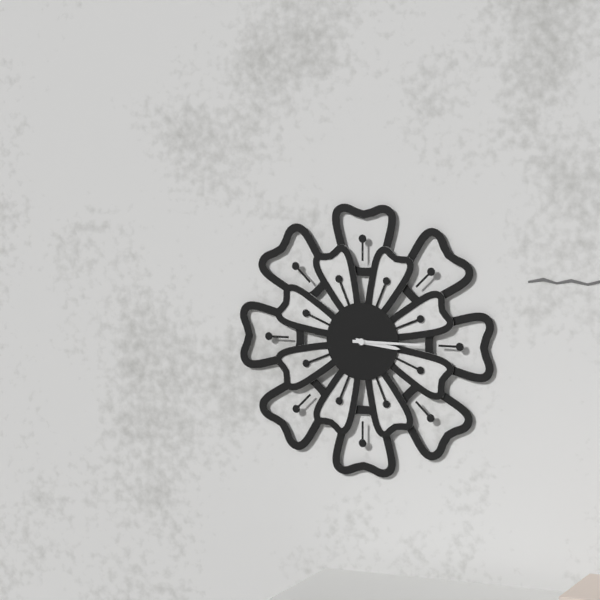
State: 3:15
